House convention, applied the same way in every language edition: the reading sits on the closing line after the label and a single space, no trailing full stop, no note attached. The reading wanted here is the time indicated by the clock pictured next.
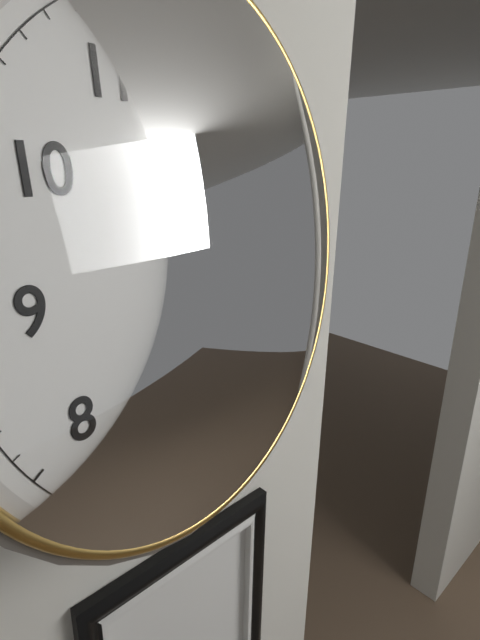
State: 7:29
